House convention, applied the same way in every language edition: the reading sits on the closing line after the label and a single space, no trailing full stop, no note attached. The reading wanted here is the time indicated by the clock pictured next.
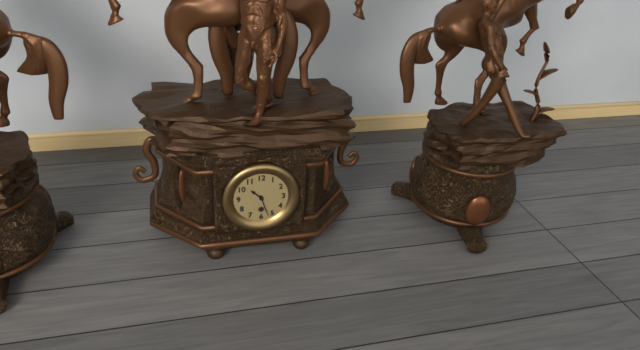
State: 10:27
